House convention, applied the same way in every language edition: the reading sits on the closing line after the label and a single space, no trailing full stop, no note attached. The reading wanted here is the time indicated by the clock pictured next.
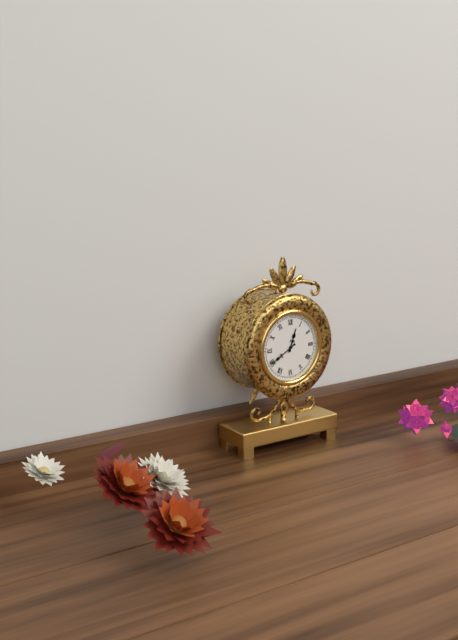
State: 12:40
